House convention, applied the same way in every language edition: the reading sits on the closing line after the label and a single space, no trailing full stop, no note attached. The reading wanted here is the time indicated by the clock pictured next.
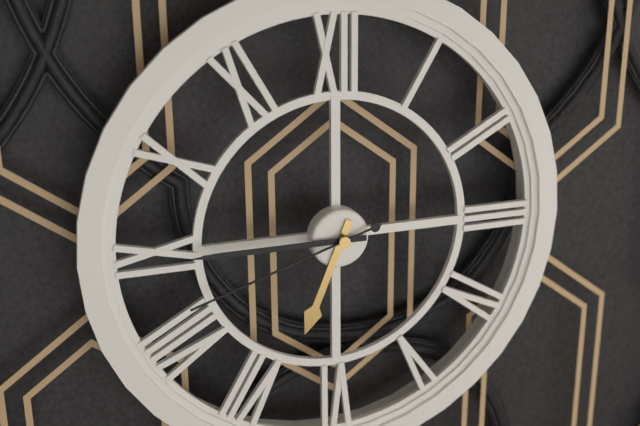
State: 6:45:42
